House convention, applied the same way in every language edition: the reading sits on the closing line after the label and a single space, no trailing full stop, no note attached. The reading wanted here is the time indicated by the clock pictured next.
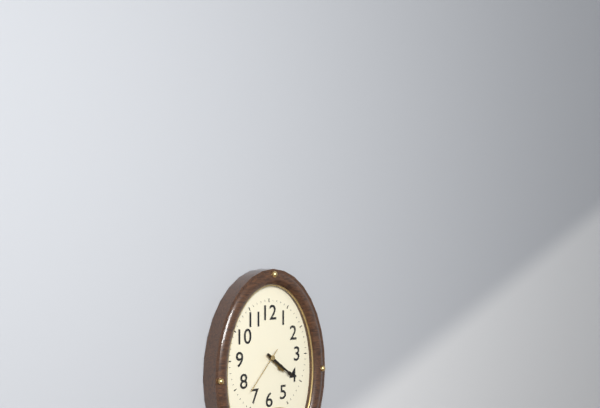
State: 4:21:37
